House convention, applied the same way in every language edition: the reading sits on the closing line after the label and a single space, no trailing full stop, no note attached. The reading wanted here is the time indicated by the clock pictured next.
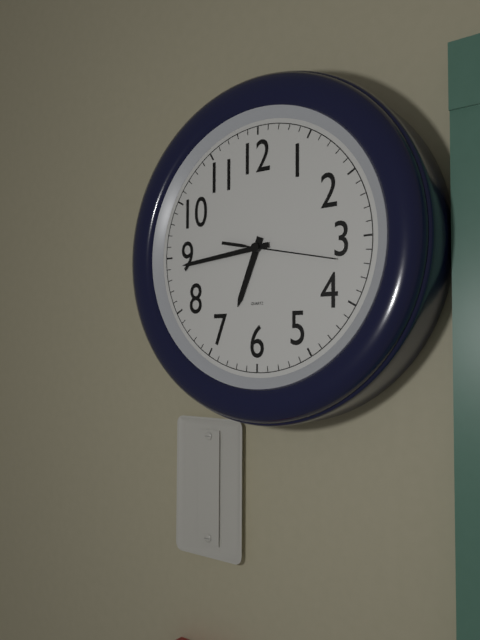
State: 6:44:17
